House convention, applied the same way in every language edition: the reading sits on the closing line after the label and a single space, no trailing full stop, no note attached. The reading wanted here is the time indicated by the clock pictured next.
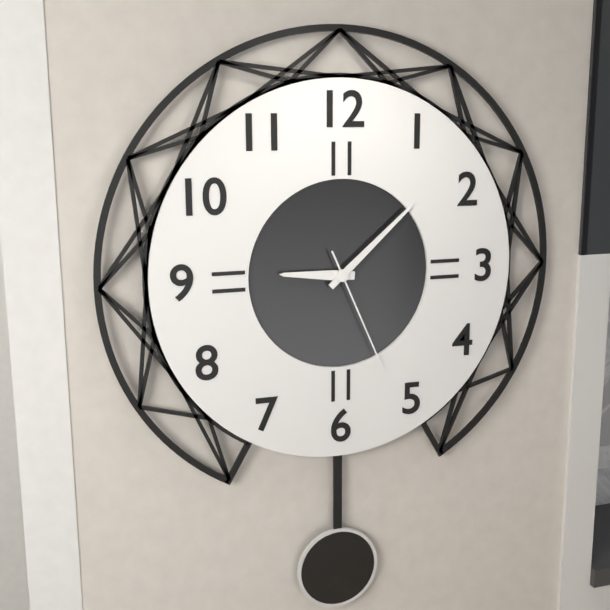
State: 9:08:26
